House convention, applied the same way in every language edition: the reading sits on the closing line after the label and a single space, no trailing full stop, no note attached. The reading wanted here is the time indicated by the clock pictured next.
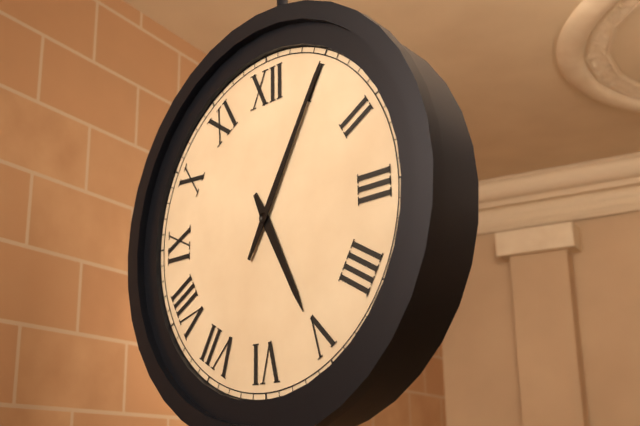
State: 5:05
